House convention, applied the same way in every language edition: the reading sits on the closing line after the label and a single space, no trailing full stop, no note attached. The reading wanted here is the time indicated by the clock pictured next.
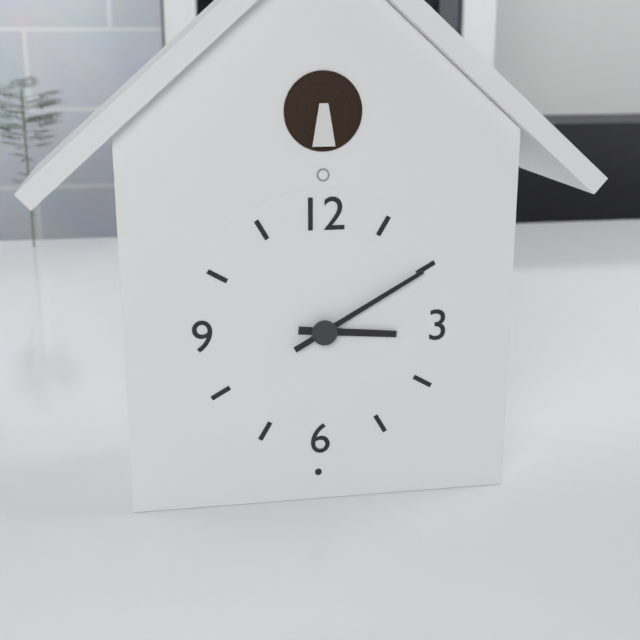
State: 3:10
